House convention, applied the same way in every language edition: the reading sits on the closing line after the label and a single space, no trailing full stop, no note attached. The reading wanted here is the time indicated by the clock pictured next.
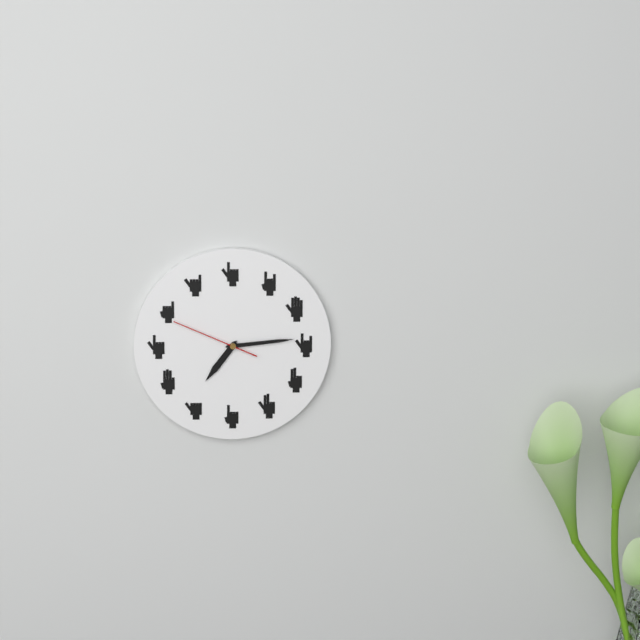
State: 7:14:49
